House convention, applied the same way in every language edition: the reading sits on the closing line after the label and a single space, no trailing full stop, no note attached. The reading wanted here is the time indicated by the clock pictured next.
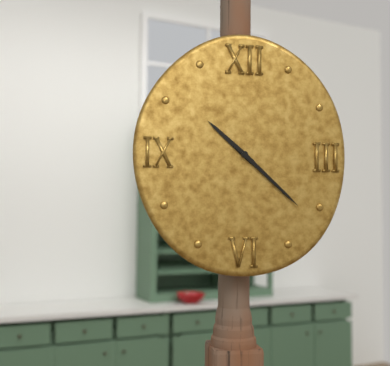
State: 10:22
